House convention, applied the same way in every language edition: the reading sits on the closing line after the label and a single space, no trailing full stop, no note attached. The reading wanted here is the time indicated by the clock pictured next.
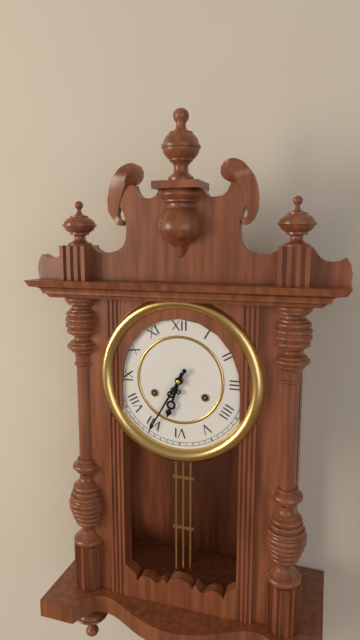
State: 6:35
